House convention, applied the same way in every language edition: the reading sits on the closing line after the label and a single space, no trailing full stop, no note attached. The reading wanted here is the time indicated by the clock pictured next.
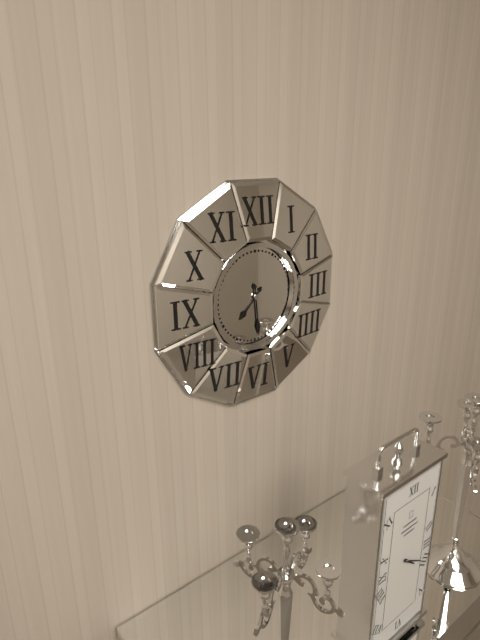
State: 7:29
